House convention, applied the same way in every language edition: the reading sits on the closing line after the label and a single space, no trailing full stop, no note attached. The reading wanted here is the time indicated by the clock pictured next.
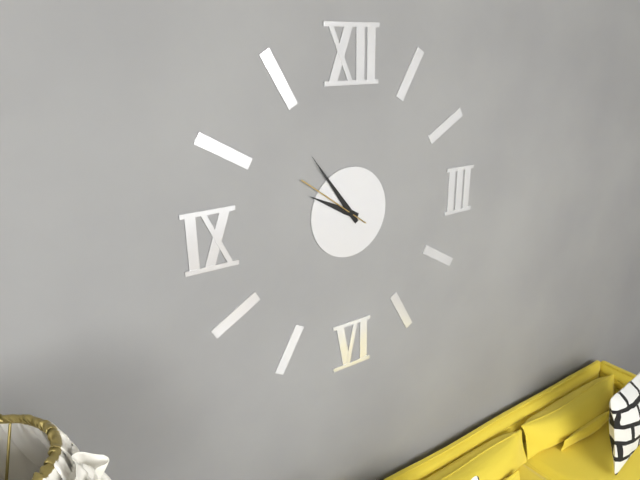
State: 9:54:51
